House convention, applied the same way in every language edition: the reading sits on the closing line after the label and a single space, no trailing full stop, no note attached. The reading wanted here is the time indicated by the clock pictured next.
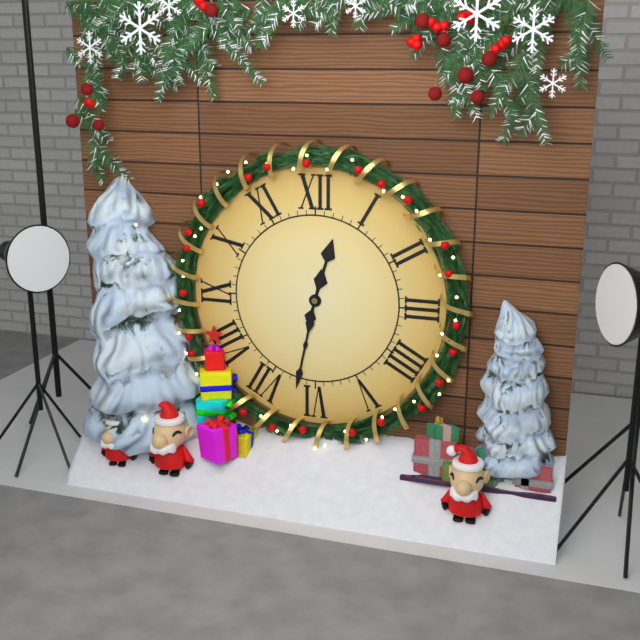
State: 12:32
